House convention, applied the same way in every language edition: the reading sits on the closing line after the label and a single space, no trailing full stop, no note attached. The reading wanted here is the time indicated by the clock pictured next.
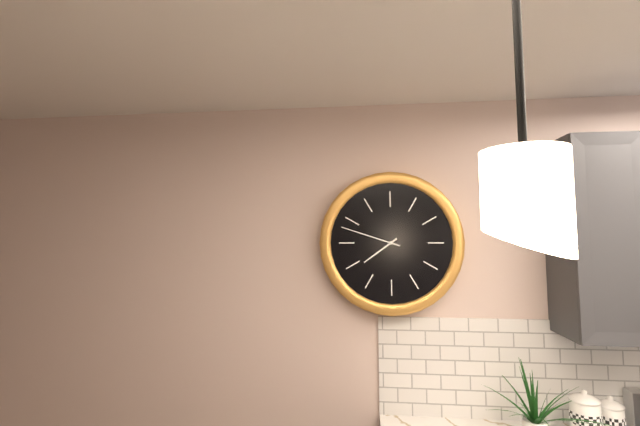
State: 7:48
